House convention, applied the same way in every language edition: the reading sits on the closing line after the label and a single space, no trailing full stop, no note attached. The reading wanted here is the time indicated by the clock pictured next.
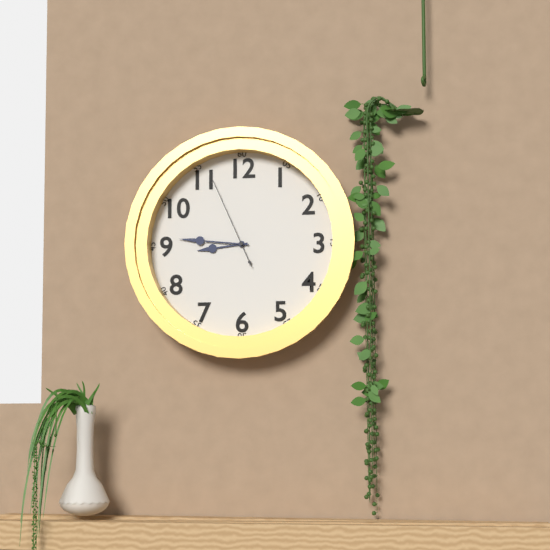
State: 8:46:56
